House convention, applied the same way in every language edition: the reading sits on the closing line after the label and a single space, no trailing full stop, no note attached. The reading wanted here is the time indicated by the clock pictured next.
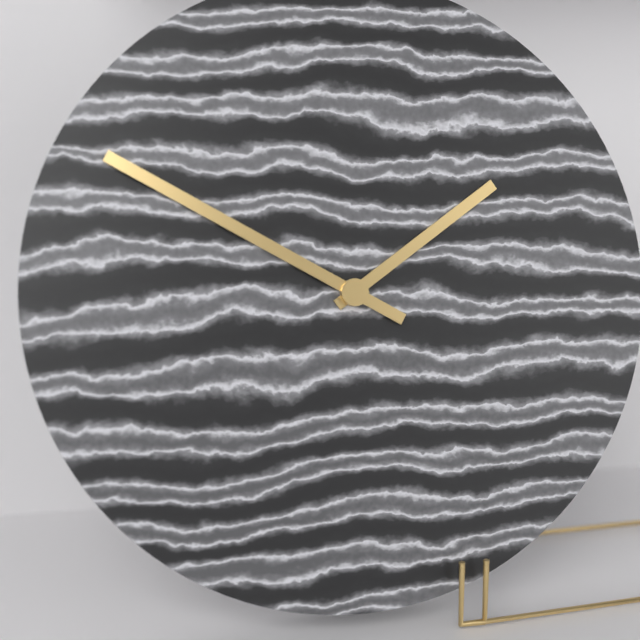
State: 1:50
